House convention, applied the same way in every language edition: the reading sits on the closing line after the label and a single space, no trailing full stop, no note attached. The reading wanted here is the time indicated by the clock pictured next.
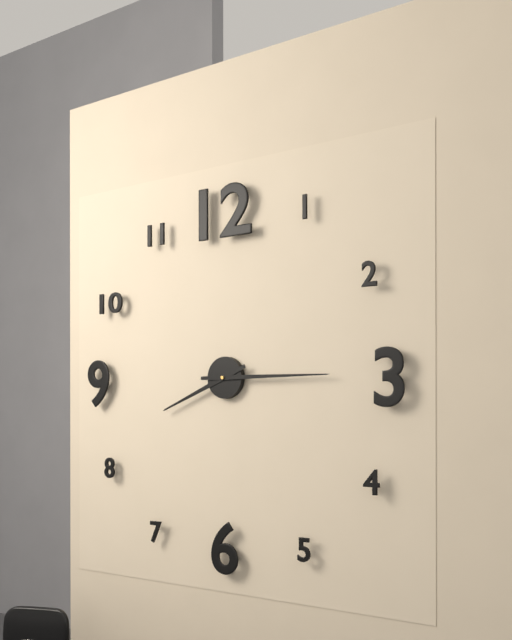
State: 8:15
